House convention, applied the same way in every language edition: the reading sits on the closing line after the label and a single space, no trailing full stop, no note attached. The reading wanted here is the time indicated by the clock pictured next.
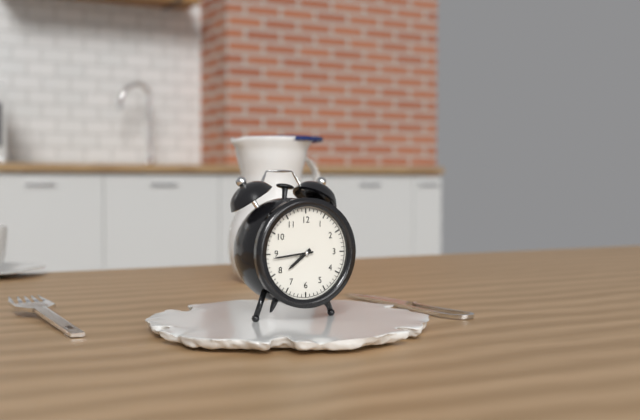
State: 7:44
